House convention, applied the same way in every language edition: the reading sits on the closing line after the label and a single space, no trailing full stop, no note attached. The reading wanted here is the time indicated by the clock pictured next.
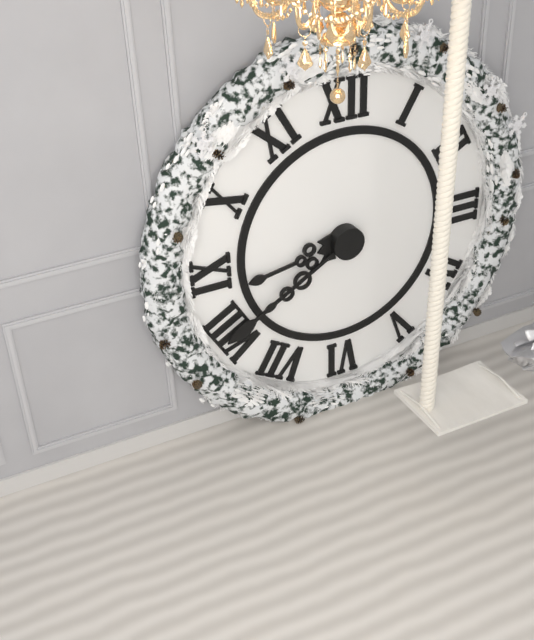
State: 8:40
